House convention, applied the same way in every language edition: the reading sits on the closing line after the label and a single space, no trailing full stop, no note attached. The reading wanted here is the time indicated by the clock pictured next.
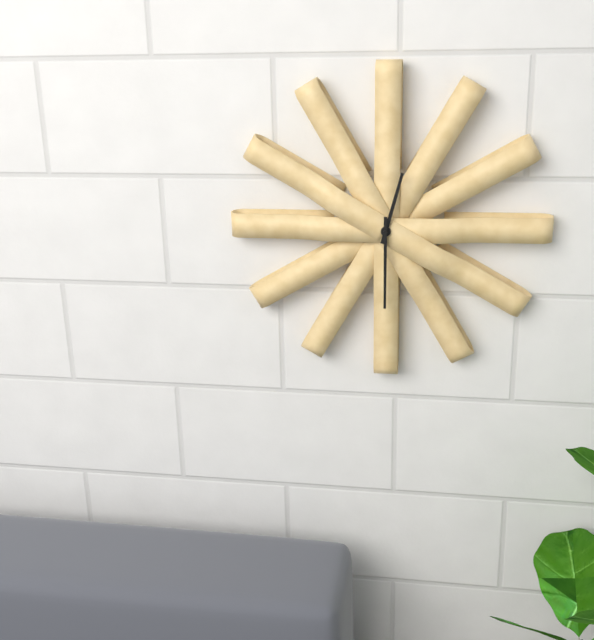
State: 12:30
